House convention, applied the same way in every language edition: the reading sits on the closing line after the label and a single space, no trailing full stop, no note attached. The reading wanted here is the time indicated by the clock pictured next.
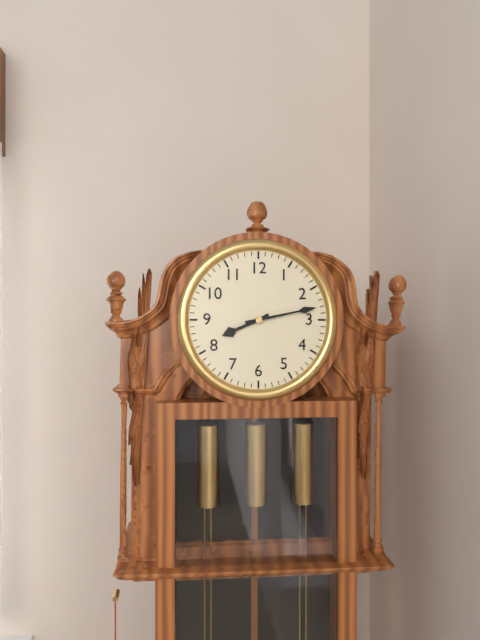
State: 8:13
